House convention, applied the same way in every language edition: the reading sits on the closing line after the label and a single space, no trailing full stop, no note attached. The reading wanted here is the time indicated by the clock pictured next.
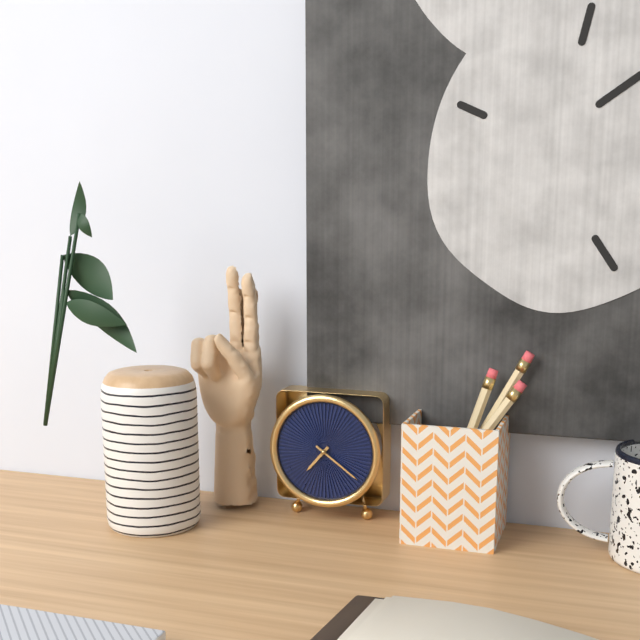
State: 7:21
